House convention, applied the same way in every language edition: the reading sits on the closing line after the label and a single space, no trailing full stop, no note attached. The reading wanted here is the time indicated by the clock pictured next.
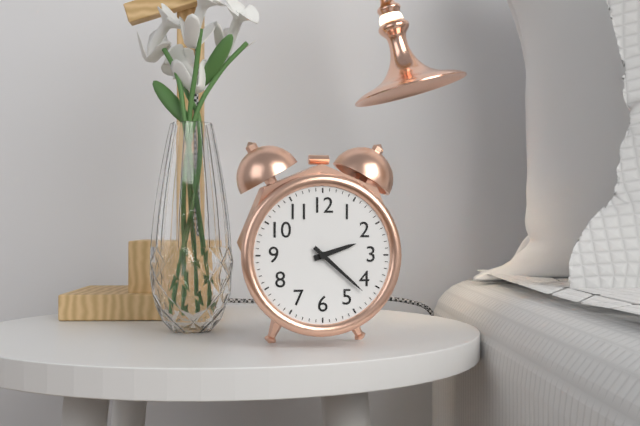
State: 2:22
